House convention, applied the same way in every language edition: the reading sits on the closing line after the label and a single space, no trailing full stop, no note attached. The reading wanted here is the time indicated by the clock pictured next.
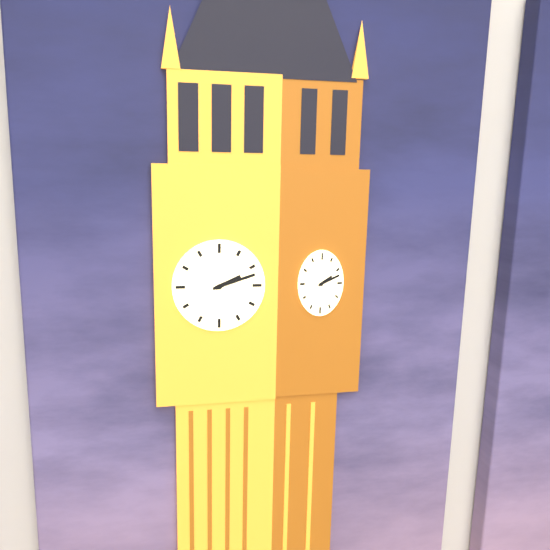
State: 2:12
